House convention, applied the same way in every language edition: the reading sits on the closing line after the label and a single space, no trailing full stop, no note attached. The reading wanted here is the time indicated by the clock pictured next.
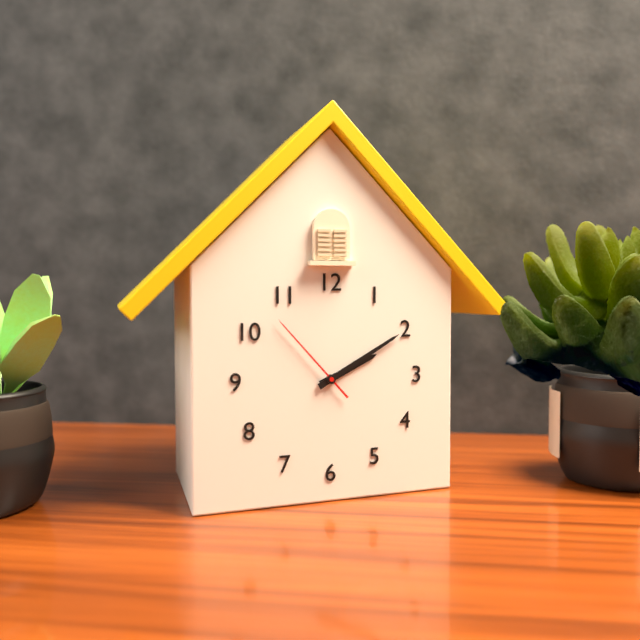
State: 2:10:53
